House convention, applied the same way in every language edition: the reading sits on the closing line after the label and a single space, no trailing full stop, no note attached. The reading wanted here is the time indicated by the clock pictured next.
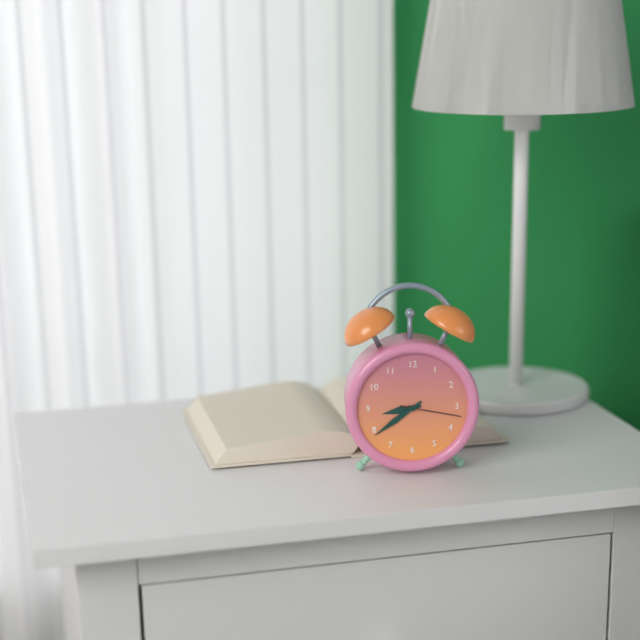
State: 8:39:17
